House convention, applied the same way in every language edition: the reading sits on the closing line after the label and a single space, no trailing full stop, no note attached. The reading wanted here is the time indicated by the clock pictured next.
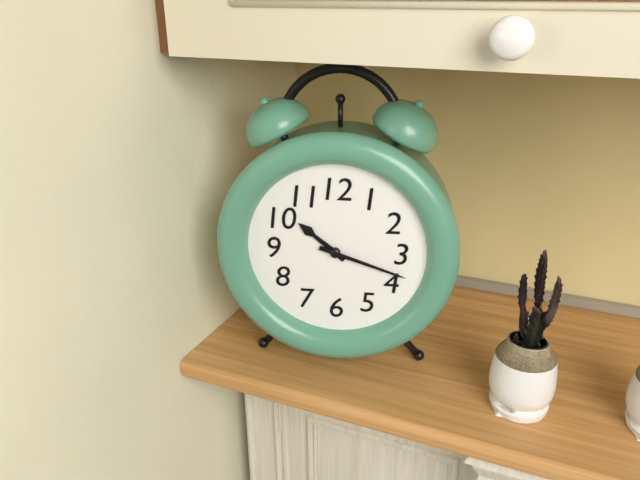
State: 10:18
